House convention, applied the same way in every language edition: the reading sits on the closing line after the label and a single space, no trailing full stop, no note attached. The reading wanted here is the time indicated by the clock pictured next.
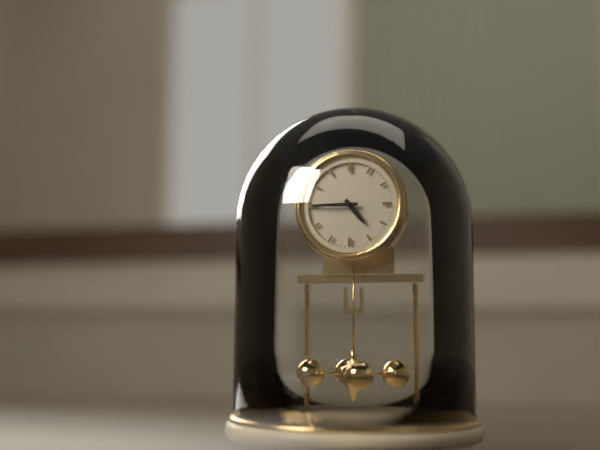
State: 4:45
